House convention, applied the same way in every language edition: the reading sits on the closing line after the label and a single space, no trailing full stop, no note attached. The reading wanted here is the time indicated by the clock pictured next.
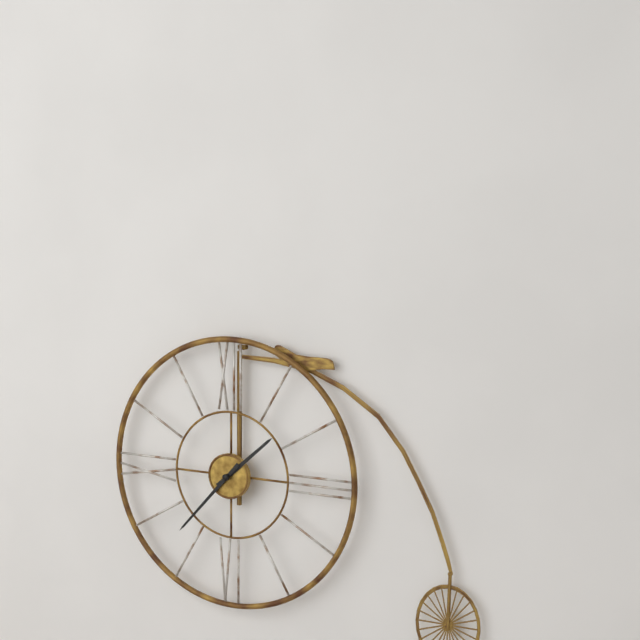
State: 1:37
